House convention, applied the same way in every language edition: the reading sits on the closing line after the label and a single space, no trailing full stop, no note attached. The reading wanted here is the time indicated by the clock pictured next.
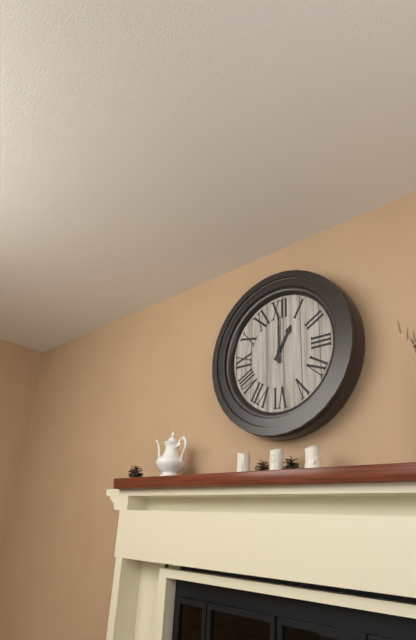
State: 1:00
